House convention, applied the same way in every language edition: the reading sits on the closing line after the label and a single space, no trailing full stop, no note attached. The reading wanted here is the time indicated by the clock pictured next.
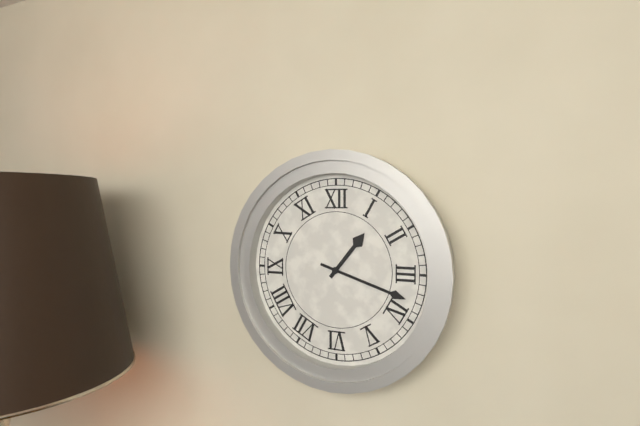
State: 1:18
